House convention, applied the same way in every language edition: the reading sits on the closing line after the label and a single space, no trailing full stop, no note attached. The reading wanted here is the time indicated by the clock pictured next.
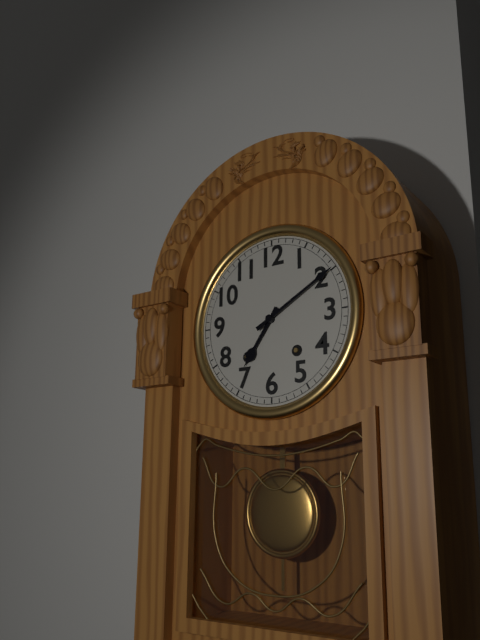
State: 7:10
